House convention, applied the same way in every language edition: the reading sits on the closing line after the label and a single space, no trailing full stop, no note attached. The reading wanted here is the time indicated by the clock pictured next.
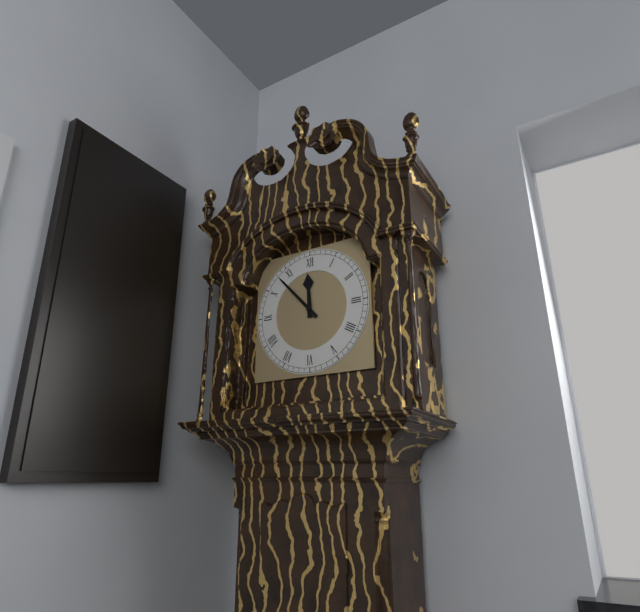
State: 11:53
